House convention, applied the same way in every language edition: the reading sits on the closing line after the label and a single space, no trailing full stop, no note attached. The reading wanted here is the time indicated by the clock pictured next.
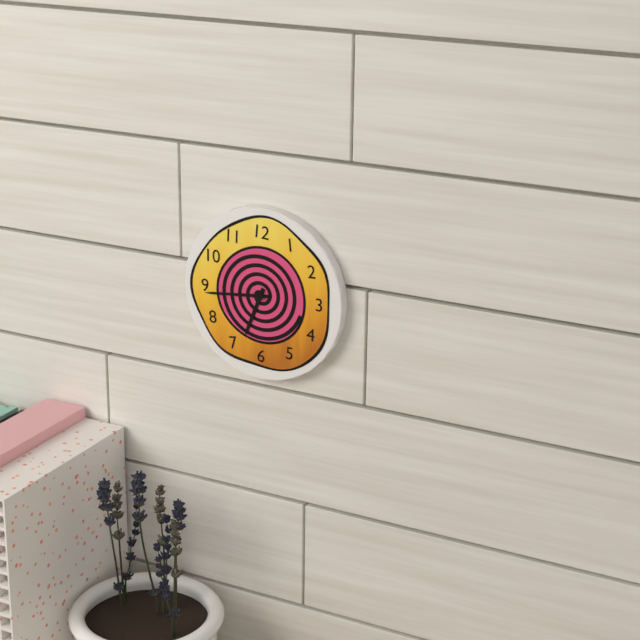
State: 6:44
